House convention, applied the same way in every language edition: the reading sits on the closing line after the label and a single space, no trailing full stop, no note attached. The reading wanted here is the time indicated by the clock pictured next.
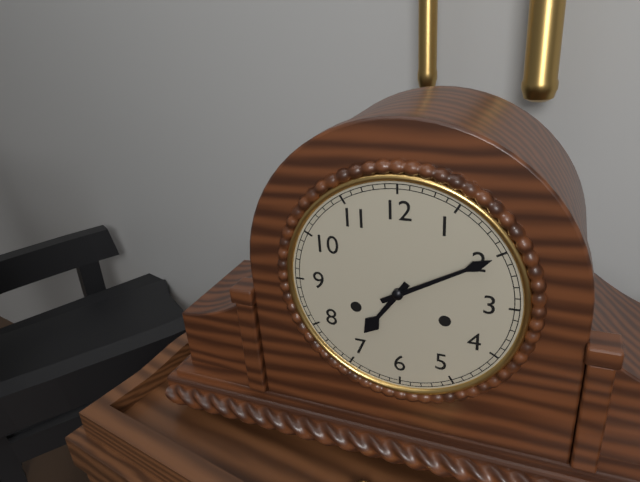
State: 7:10
